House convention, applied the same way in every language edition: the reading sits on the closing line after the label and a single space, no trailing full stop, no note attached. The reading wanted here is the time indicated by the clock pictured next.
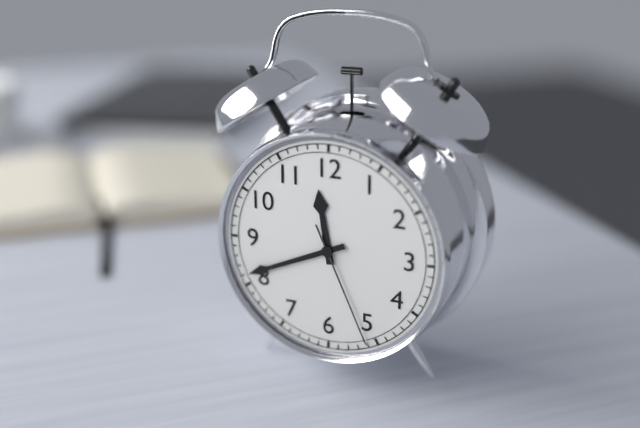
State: 11:41:26
